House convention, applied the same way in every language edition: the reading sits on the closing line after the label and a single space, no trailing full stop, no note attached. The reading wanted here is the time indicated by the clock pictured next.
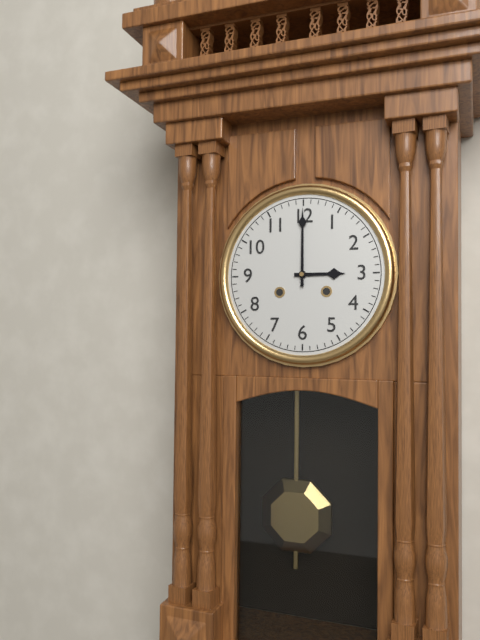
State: 3:00
